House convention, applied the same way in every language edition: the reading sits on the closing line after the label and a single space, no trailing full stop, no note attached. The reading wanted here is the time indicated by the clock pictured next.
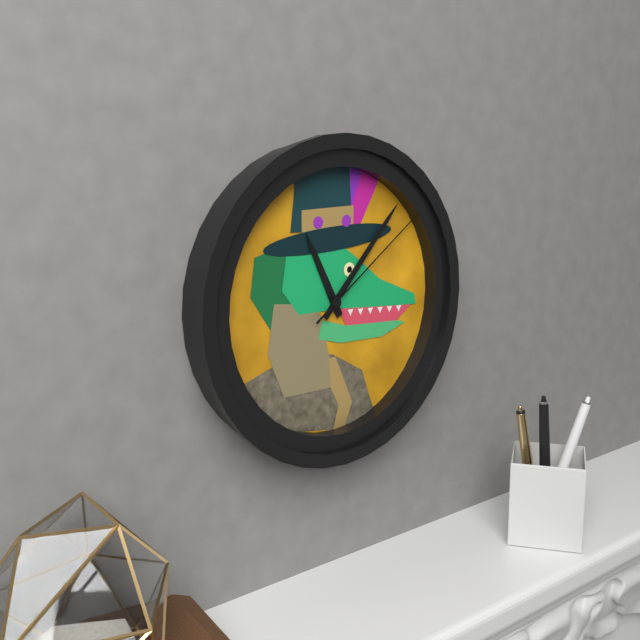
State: 11:07:09
